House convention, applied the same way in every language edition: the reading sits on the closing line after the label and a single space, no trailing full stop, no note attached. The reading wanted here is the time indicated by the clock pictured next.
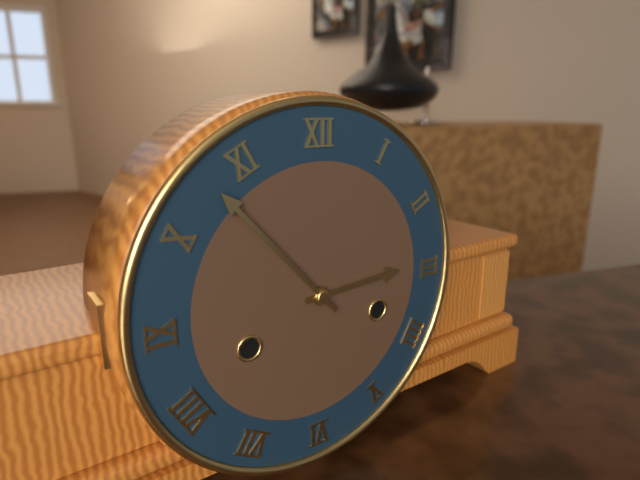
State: 2:53
